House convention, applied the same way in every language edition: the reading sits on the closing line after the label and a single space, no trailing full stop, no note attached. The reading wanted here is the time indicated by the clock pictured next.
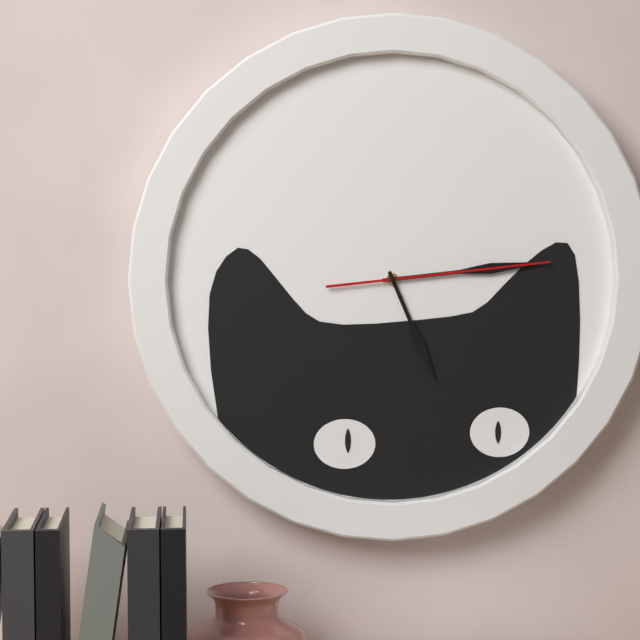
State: 5:14:14
